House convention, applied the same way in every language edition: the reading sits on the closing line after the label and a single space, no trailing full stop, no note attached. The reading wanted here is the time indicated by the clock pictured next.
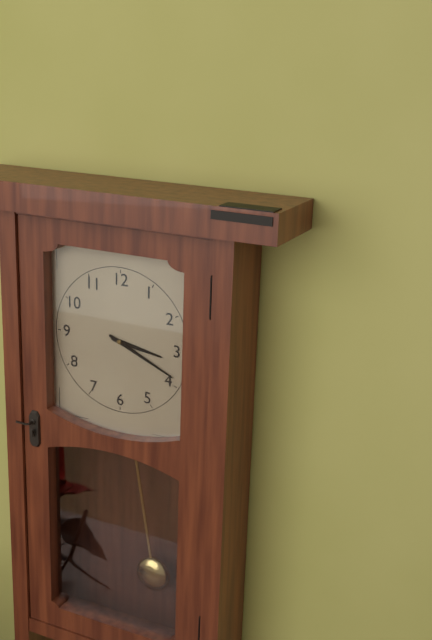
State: 3:19
